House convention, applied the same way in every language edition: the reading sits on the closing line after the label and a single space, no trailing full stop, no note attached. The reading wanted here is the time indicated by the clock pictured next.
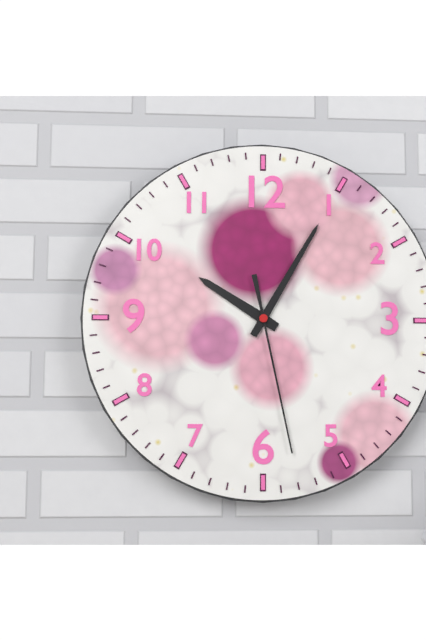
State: 10:05:28
